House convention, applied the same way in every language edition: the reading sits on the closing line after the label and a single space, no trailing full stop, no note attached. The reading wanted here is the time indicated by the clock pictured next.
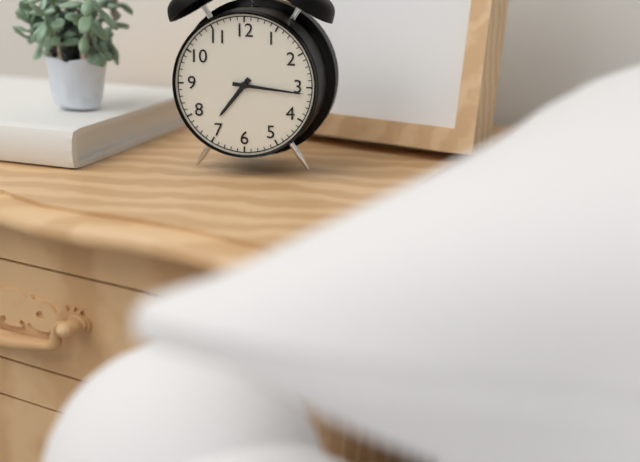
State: 7:16
